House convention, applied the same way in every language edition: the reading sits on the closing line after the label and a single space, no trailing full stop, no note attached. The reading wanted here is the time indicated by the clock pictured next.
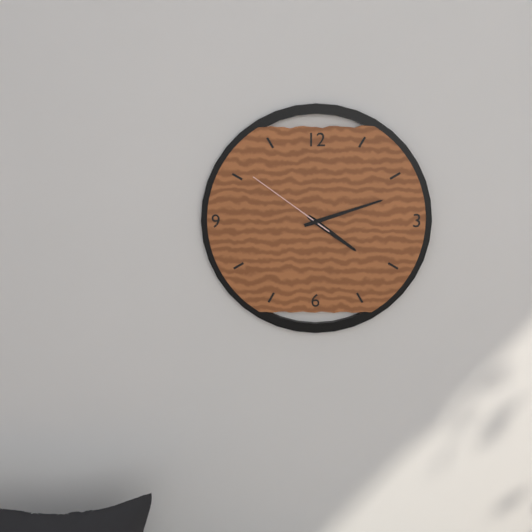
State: 4:12:51
